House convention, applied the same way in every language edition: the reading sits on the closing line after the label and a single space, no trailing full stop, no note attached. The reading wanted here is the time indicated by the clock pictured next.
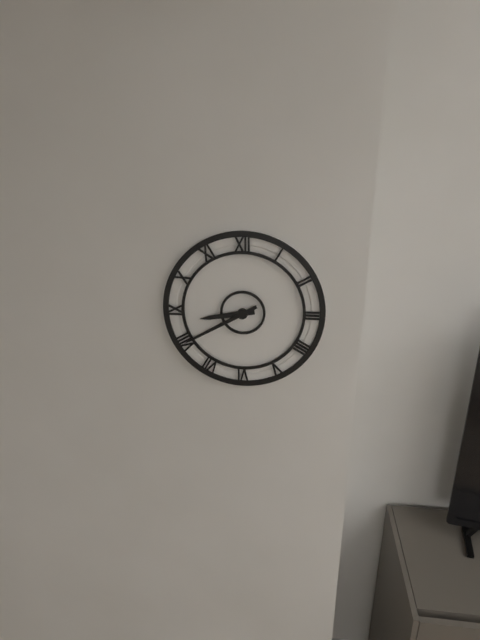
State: 8:40
